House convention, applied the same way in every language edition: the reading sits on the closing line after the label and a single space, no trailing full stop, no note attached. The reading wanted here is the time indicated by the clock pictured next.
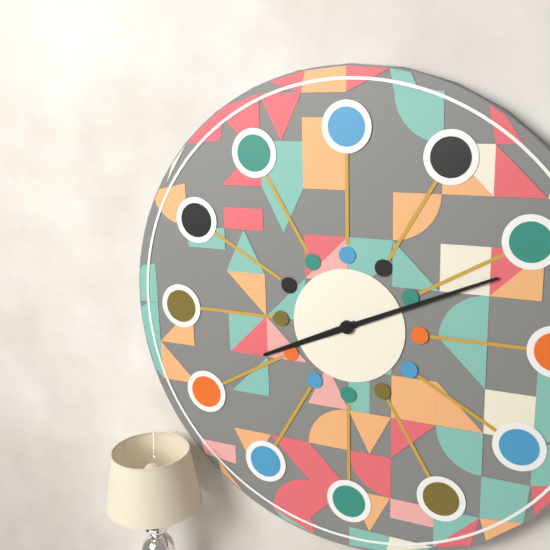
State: 8:11
